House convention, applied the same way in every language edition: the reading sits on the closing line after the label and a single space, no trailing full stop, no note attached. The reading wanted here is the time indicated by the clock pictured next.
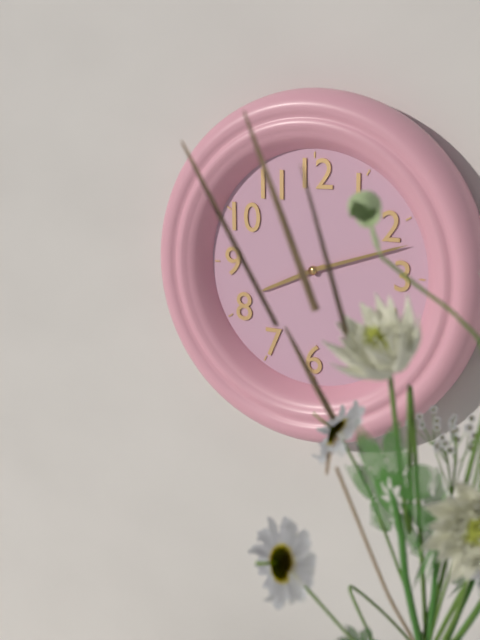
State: 8:12
